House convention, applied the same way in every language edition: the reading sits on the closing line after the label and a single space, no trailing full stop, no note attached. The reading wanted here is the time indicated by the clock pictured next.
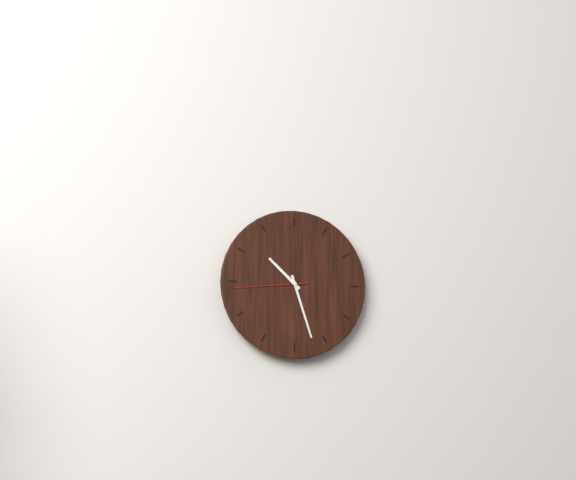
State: 10:27:44
